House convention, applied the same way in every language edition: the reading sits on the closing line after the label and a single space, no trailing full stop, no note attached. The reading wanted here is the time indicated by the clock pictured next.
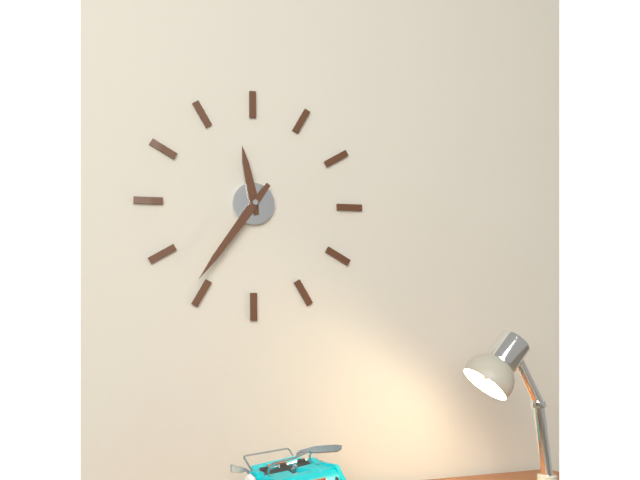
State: 11:36
